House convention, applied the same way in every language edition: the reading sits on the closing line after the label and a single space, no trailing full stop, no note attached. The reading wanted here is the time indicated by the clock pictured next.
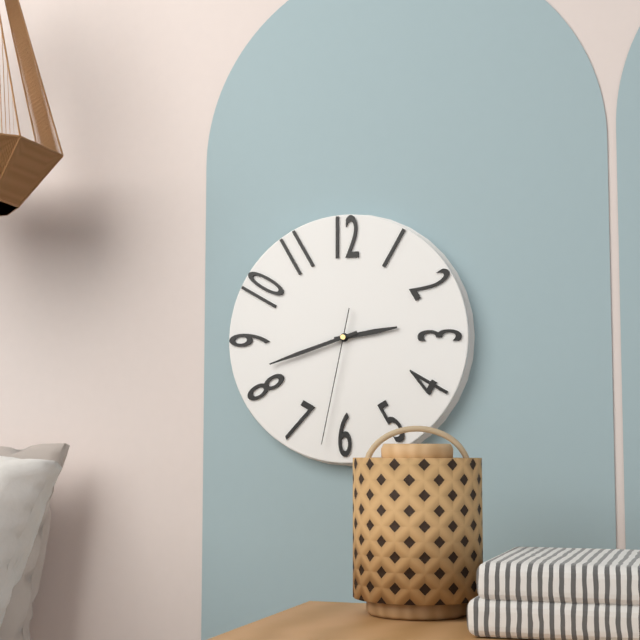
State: 2:42:32
